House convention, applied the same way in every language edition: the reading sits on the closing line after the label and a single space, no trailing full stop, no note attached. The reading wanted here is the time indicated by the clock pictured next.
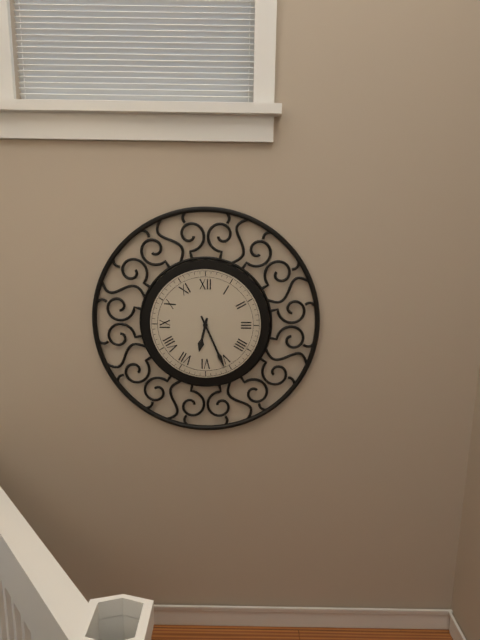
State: 6:26
